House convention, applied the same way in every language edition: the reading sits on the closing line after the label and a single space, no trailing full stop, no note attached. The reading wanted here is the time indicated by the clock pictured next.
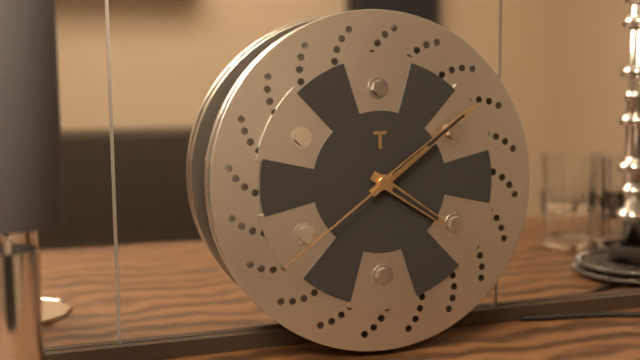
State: 4:09:39
